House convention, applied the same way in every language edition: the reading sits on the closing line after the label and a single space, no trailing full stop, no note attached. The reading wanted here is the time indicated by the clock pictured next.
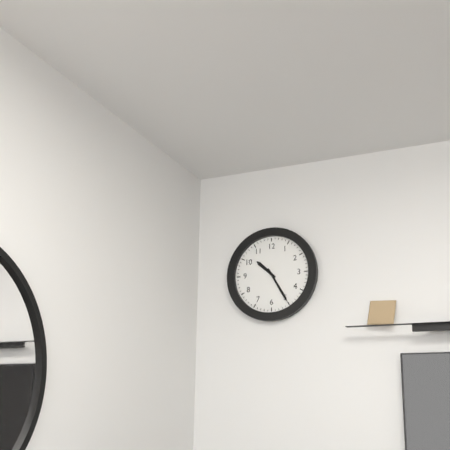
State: 10:25
